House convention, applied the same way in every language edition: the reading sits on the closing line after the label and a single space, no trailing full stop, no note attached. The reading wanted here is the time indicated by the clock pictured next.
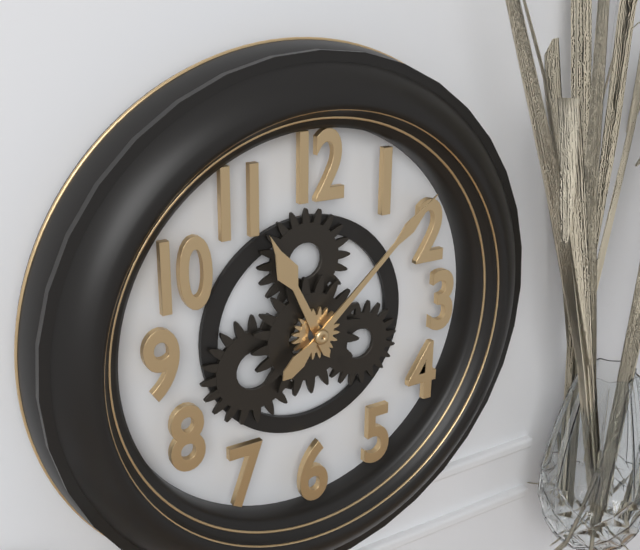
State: 11:08
